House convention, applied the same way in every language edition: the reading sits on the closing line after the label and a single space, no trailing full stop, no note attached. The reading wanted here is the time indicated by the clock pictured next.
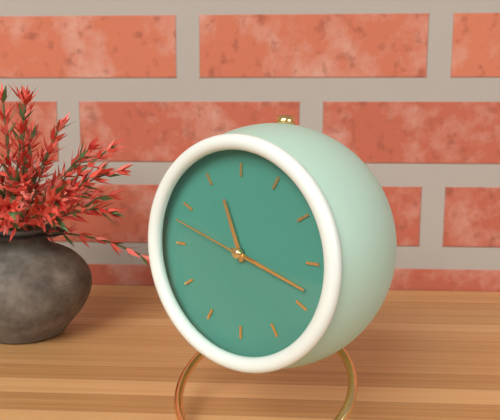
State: 11:18:48
